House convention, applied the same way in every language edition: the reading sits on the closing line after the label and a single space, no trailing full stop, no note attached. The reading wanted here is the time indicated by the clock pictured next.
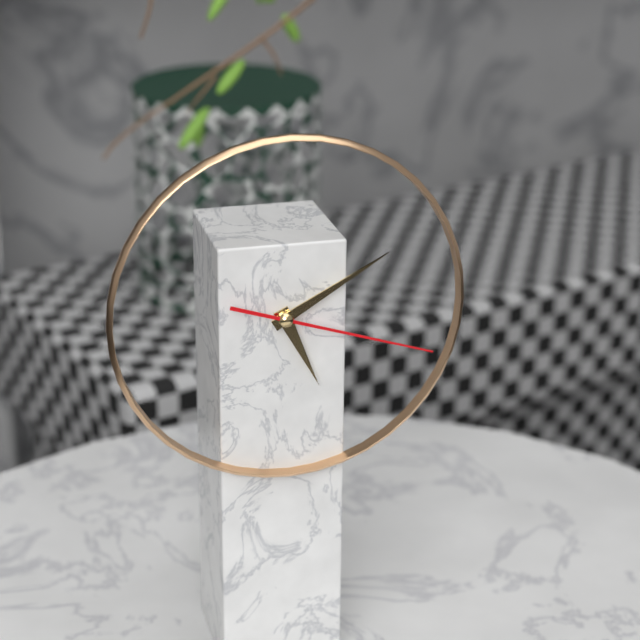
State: 5:10:18
